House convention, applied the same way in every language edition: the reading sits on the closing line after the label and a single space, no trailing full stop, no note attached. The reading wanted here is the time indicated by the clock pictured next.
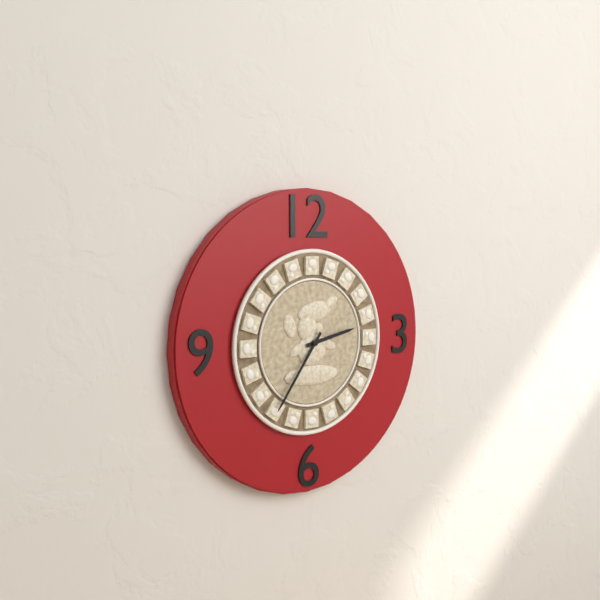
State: 2:36
